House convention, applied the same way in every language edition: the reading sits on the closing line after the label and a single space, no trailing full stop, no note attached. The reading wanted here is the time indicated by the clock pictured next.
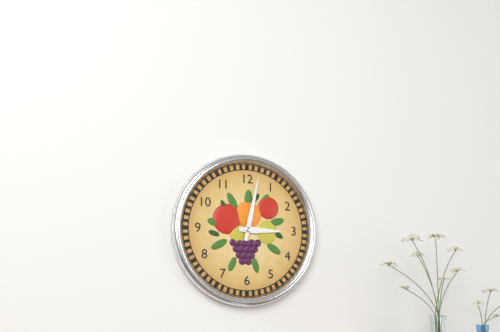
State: 3:02
